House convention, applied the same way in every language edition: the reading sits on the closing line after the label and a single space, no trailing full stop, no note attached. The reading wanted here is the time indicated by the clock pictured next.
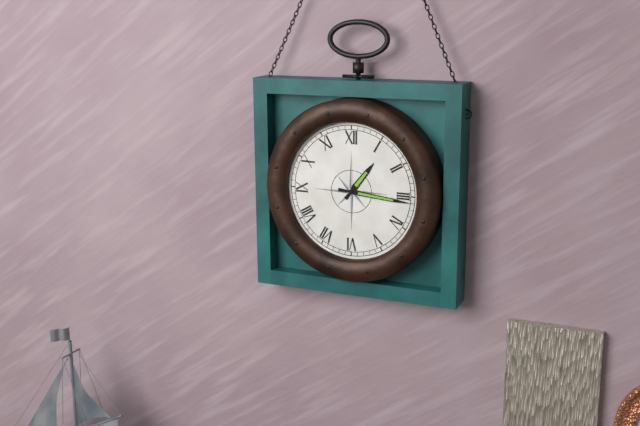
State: 1:16
